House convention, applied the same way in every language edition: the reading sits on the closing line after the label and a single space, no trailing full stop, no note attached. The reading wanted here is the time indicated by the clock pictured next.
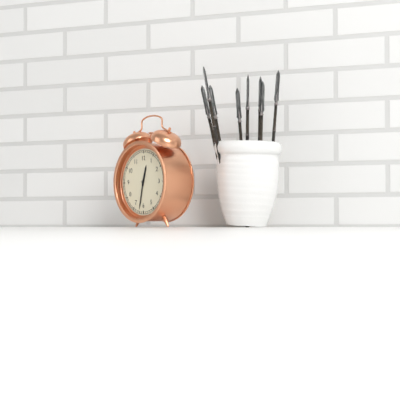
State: 12:32
